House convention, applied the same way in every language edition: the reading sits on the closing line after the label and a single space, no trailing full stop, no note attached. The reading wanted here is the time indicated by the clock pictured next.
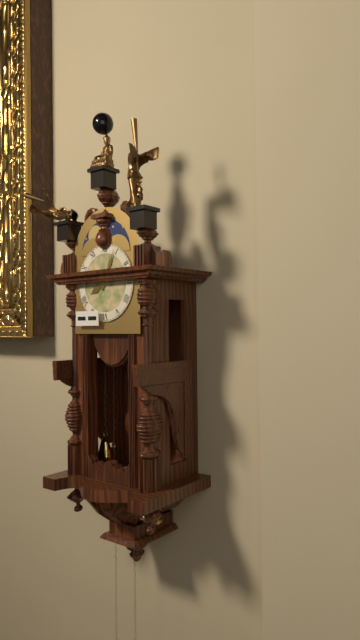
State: 8:04
